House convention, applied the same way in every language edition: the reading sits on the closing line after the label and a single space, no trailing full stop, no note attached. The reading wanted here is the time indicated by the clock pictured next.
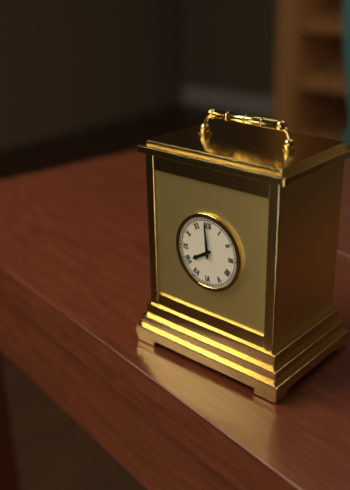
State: 7:59
